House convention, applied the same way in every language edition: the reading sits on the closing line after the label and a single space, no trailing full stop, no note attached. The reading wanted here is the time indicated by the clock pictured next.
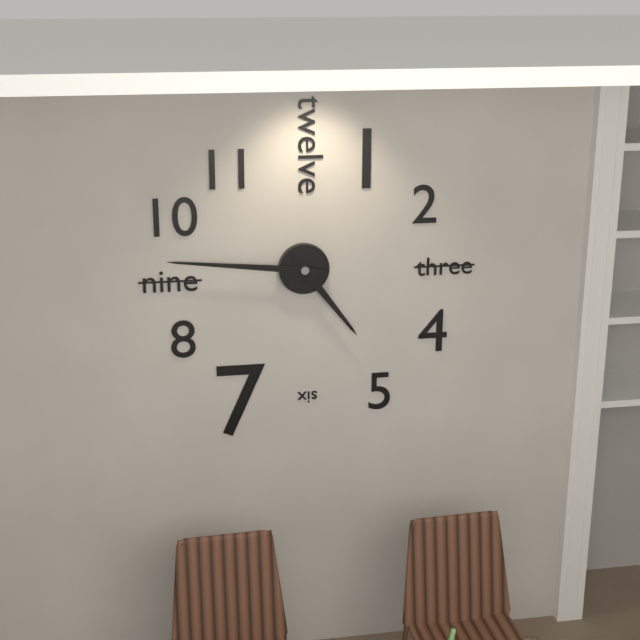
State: 4:46
